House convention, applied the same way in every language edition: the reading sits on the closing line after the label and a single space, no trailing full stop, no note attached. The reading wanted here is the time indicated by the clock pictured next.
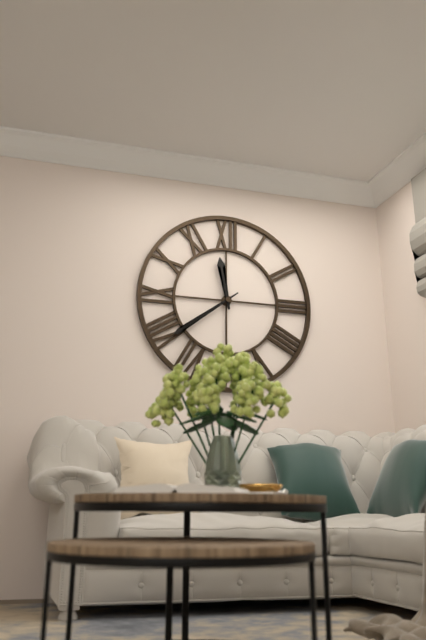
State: 11:39
